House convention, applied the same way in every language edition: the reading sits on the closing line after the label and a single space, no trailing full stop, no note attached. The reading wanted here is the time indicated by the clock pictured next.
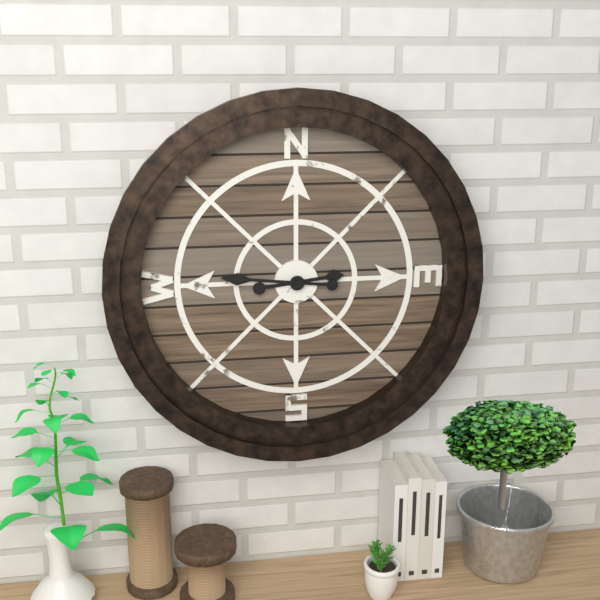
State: 2:46
